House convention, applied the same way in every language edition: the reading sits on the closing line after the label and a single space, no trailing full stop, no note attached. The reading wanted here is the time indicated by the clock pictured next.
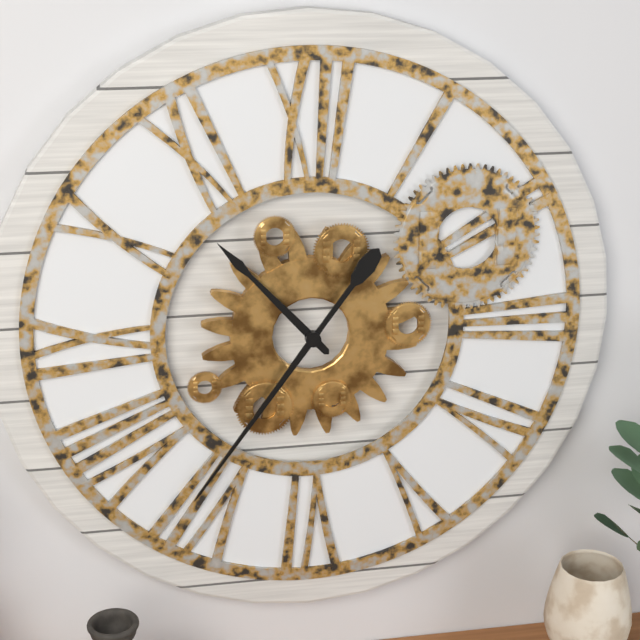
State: 10:36
